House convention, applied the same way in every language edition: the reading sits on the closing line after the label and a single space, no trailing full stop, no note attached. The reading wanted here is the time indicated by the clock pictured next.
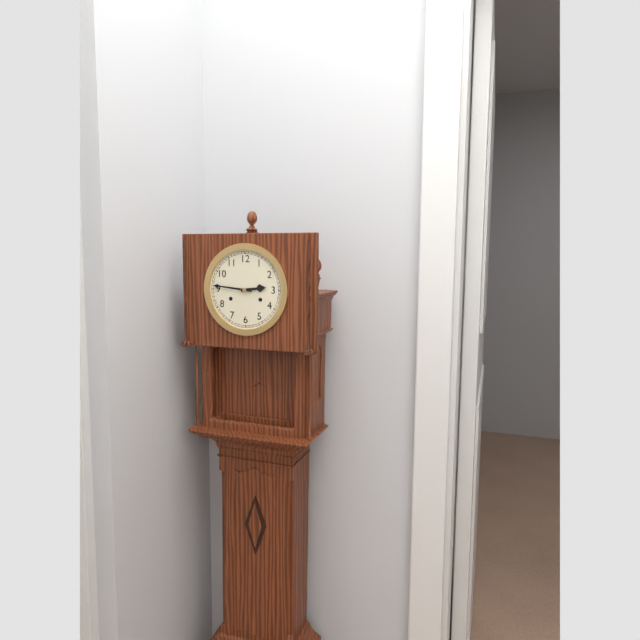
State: 2:46
